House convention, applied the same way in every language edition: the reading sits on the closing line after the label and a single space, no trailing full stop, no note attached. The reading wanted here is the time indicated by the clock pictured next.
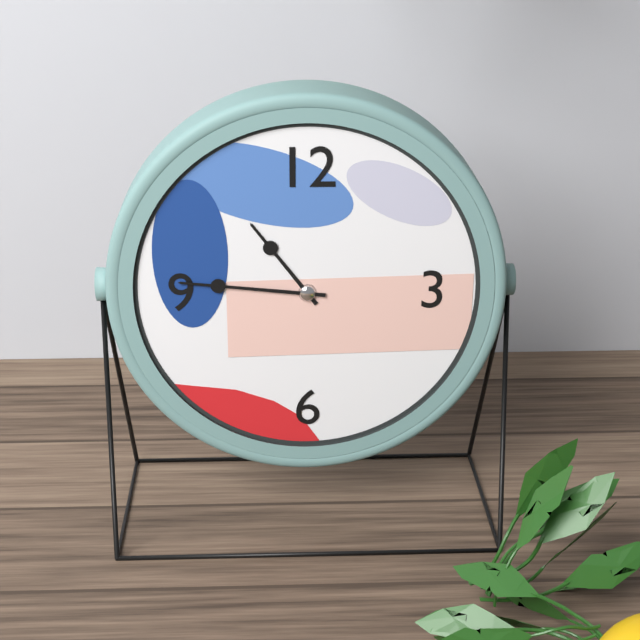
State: 10:46
